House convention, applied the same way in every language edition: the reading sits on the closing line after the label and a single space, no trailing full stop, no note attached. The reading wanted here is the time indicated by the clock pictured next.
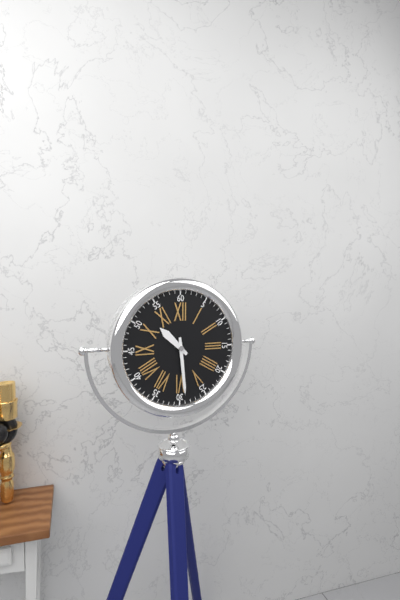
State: 10:29
